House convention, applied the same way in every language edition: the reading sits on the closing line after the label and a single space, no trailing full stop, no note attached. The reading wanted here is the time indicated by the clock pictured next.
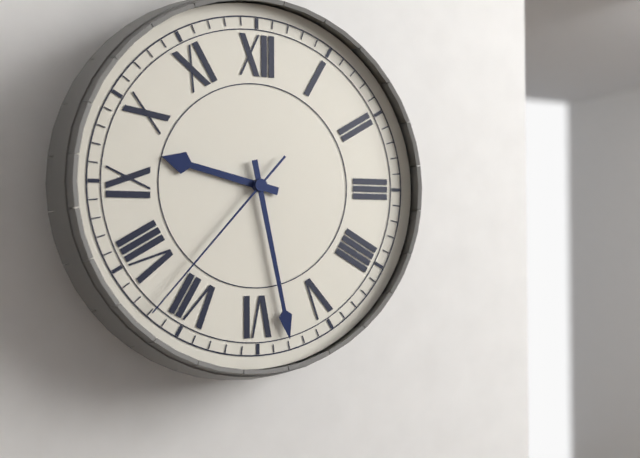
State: 9:28:37
